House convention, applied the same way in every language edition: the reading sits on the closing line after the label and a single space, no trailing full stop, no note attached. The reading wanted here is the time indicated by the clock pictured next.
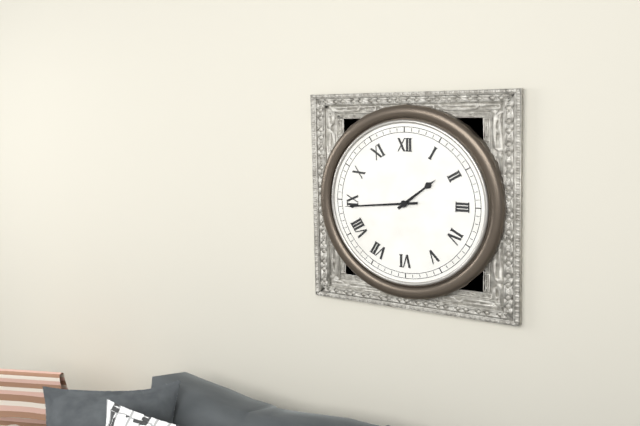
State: 1:44
